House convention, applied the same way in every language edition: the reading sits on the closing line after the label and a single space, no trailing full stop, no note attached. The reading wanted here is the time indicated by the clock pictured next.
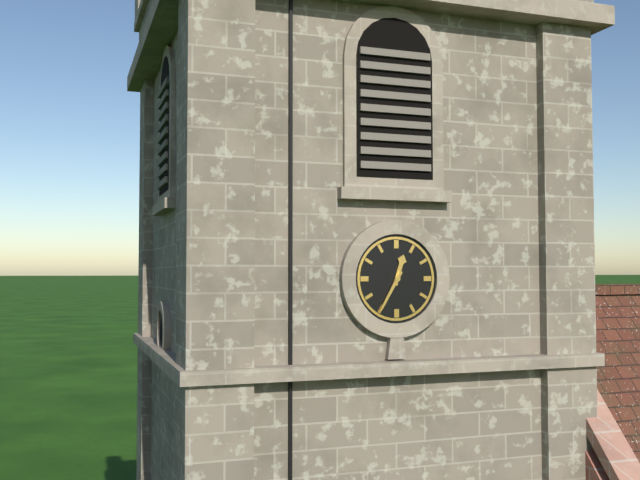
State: 12:35
